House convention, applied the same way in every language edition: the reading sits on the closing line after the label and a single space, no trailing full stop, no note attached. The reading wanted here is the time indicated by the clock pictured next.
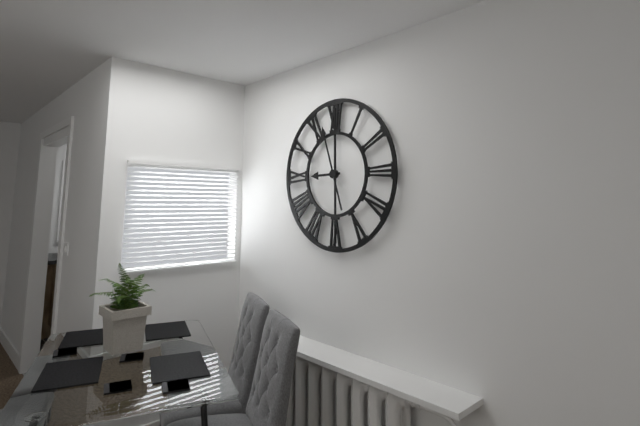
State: 8:57
